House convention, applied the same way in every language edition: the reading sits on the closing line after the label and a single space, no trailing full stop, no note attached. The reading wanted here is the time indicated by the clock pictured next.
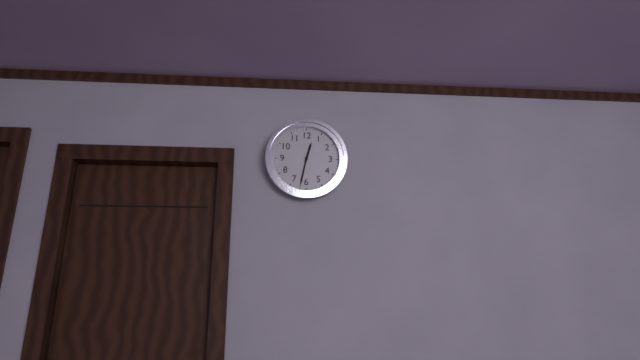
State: 12:32
